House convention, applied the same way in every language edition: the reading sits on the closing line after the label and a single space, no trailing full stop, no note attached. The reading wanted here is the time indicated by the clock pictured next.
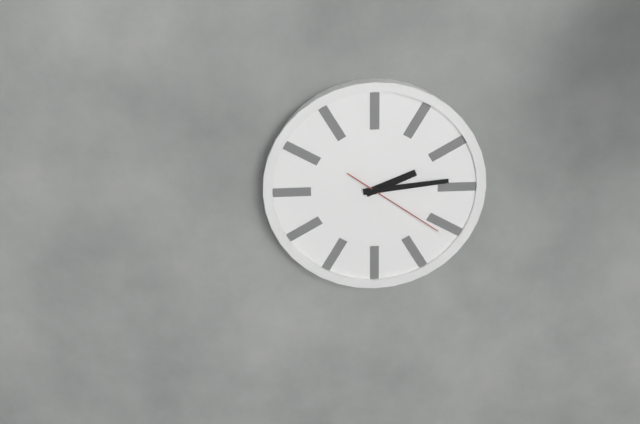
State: 2:14:21
